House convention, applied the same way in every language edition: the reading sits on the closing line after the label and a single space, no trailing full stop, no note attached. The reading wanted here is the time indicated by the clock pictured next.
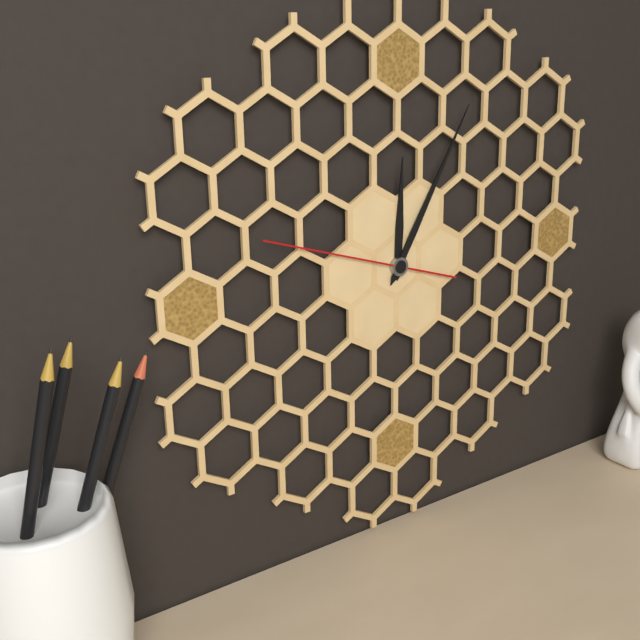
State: 12:05:48
